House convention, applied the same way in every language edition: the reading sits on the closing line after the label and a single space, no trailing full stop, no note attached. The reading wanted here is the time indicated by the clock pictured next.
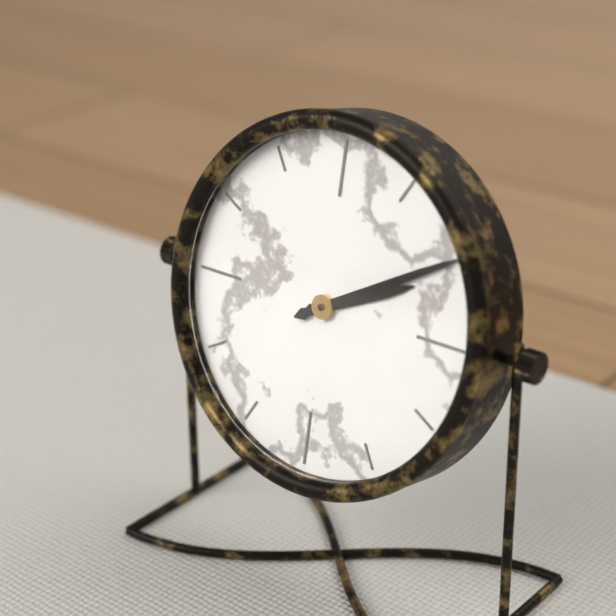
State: 2:10
